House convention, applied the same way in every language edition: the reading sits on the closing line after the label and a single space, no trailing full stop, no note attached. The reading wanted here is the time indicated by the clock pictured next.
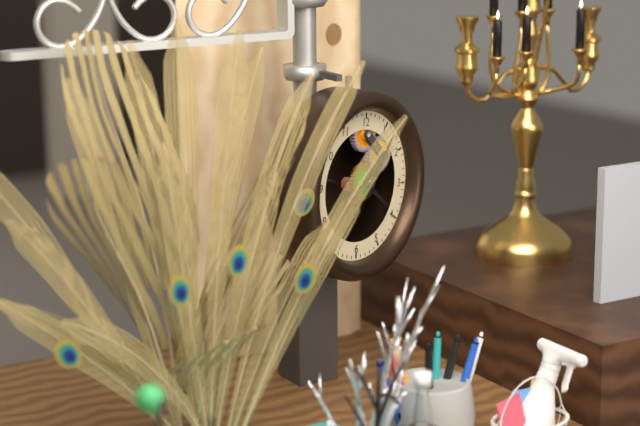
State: 4:05
